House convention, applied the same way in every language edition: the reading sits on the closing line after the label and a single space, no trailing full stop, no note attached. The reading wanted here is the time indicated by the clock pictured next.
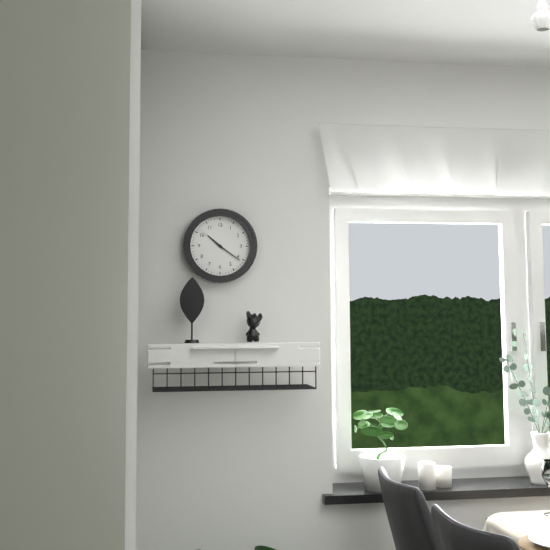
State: 10:21
